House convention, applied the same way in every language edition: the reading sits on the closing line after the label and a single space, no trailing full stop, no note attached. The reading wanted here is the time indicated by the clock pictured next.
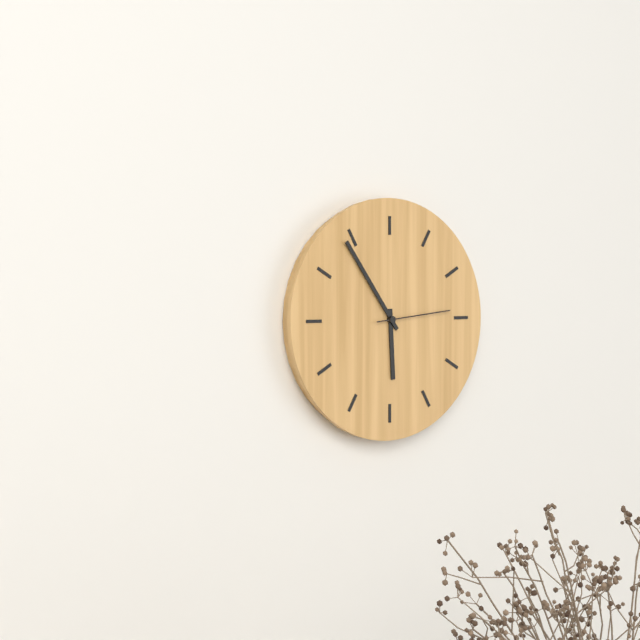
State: 5:54:14
